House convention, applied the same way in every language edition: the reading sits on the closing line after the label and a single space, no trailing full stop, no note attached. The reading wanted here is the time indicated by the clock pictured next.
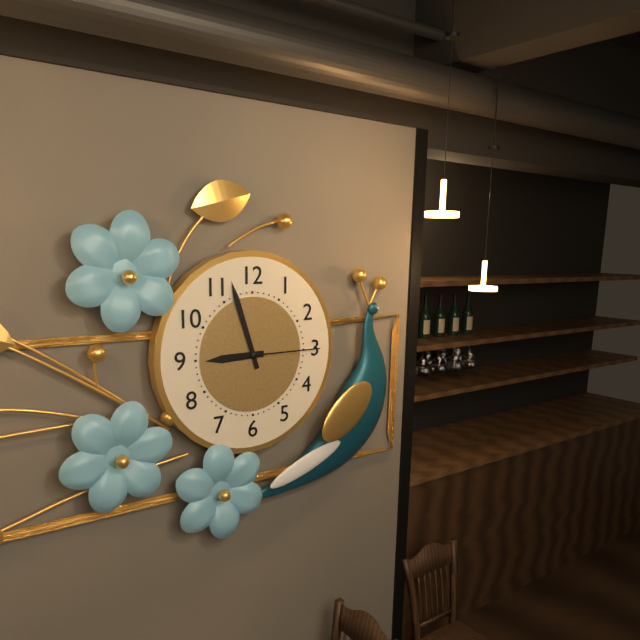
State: 8:57:15
